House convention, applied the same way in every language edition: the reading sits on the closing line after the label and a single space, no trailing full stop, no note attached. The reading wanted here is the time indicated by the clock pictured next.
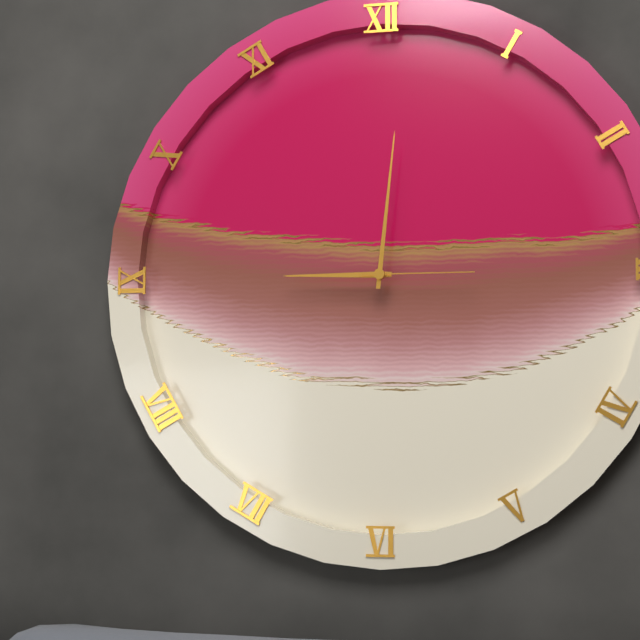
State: 9:01:15
